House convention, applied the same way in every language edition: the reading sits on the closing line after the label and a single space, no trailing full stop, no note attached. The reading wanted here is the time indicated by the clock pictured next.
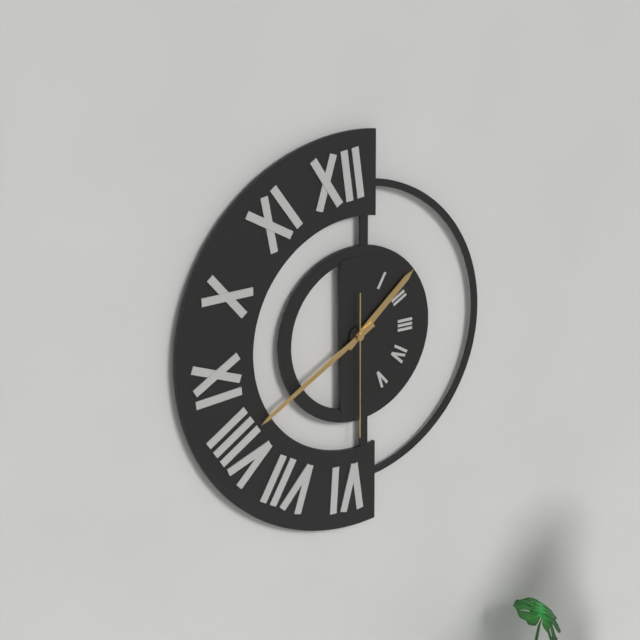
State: 1:40:30
